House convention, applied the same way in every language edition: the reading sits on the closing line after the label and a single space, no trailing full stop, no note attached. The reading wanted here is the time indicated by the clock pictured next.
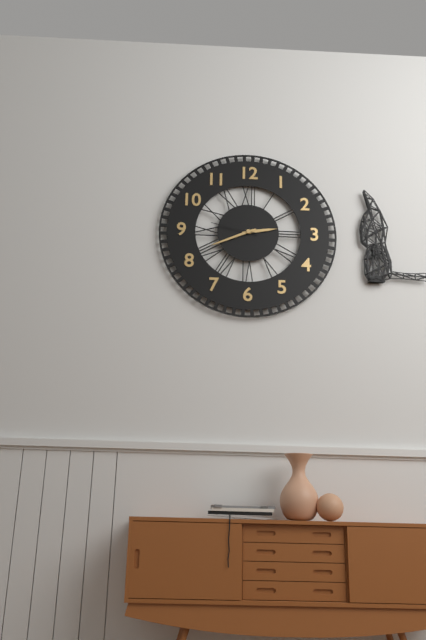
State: 2:41
